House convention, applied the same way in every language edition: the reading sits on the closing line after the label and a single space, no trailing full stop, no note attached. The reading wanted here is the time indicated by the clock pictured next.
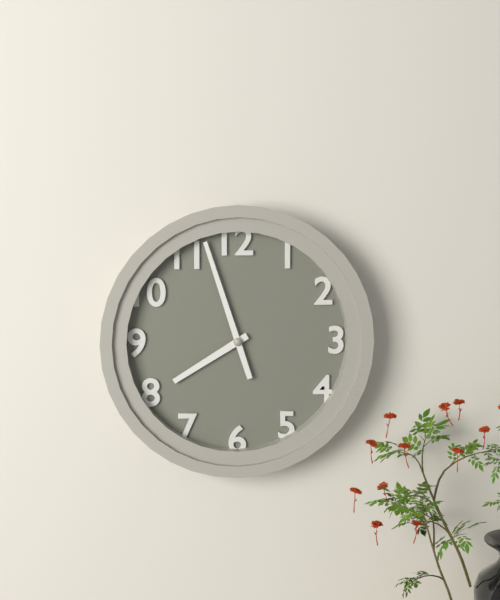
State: 7:57
